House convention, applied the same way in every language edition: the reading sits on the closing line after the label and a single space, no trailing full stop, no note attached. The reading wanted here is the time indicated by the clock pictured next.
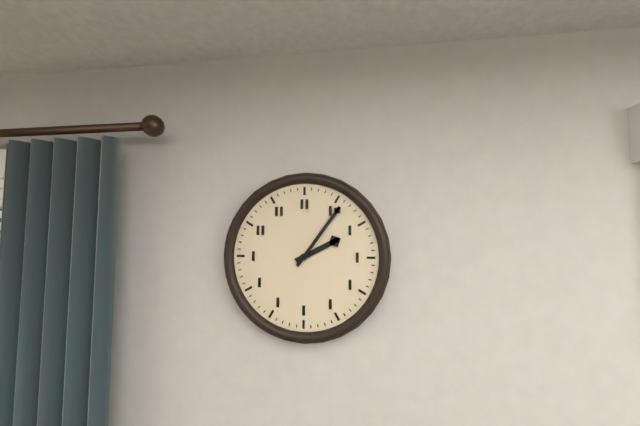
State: 2:06
